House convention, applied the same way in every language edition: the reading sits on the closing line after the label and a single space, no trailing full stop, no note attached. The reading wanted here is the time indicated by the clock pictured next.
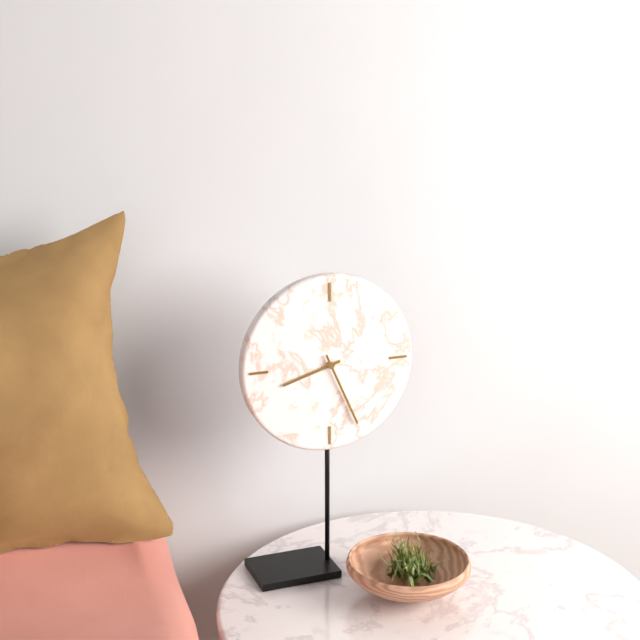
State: 8:26
